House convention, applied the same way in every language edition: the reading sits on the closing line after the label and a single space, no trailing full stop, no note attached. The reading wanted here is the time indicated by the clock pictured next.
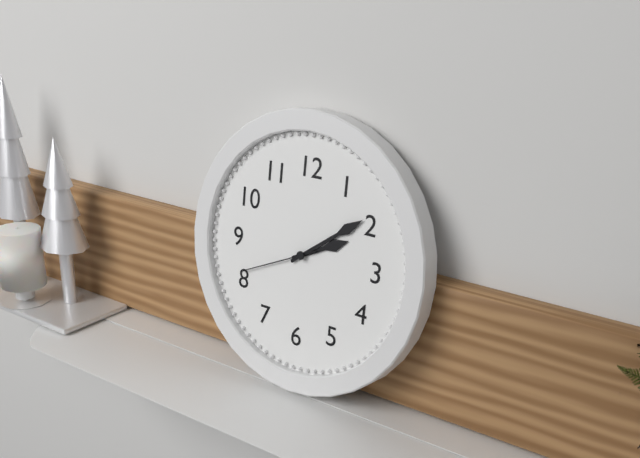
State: 2:09:41
